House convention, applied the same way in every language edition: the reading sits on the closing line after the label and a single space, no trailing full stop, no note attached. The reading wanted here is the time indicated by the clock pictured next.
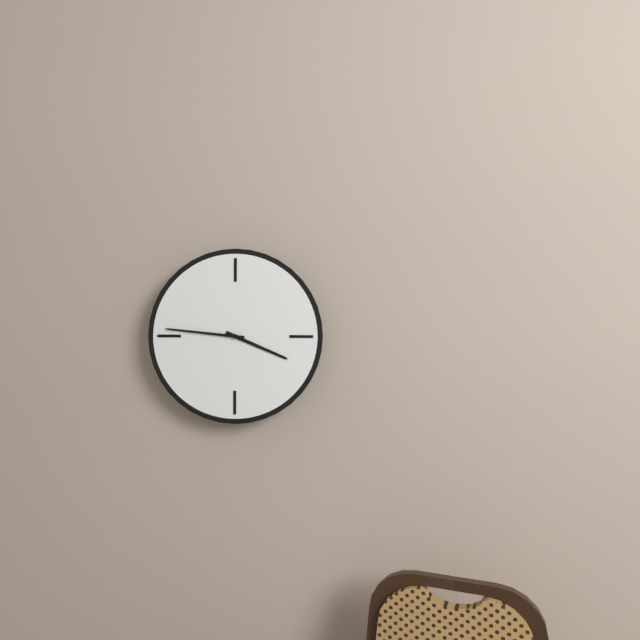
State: 3:46
